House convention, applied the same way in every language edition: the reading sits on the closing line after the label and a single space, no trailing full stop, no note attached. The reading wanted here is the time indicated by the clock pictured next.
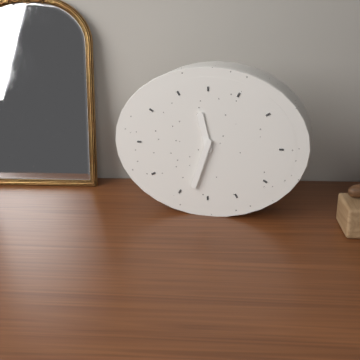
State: 11:33
